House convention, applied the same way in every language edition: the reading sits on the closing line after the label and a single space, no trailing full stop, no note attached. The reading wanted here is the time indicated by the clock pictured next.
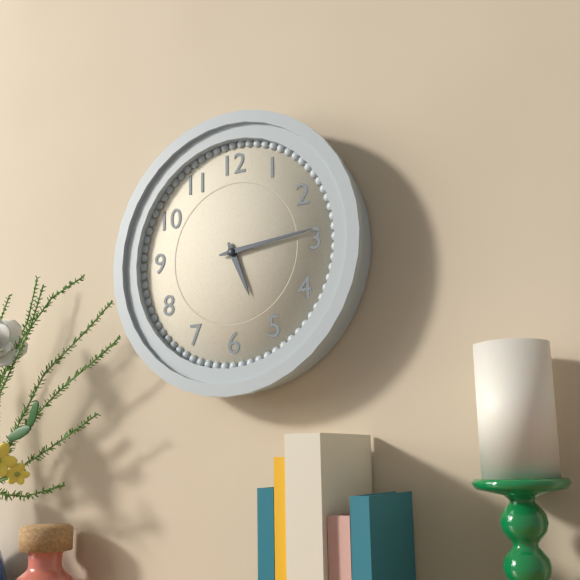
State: 5:14
